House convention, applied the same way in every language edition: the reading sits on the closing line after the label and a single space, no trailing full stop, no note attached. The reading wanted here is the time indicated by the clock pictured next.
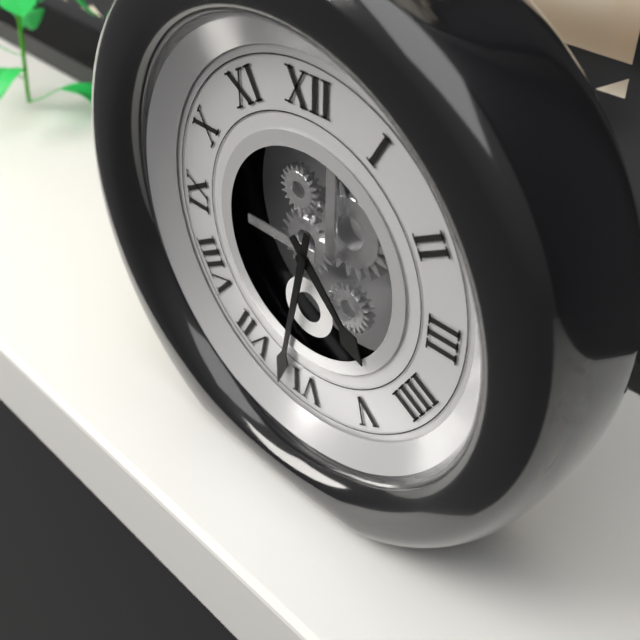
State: 4:32
